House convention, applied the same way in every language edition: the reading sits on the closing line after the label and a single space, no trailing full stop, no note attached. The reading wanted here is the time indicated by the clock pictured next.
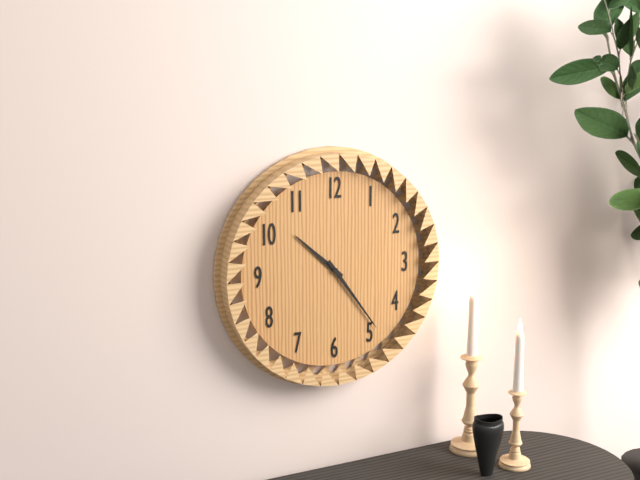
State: 10:24
